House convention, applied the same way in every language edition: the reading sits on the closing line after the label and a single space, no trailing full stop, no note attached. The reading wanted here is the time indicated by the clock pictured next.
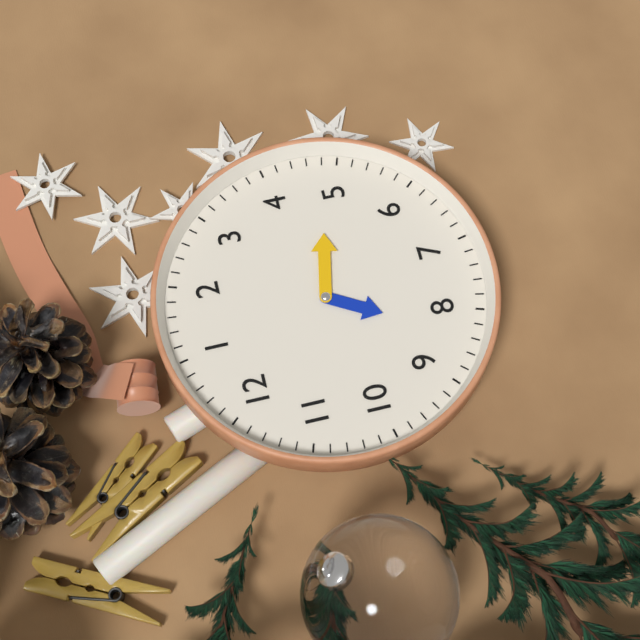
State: 8:24
